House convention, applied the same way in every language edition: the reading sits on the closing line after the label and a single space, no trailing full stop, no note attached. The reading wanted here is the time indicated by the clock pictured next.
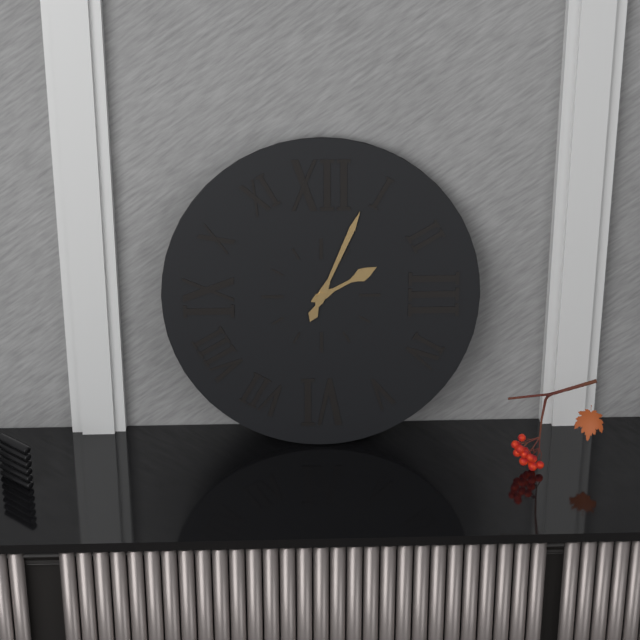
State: 2:04
